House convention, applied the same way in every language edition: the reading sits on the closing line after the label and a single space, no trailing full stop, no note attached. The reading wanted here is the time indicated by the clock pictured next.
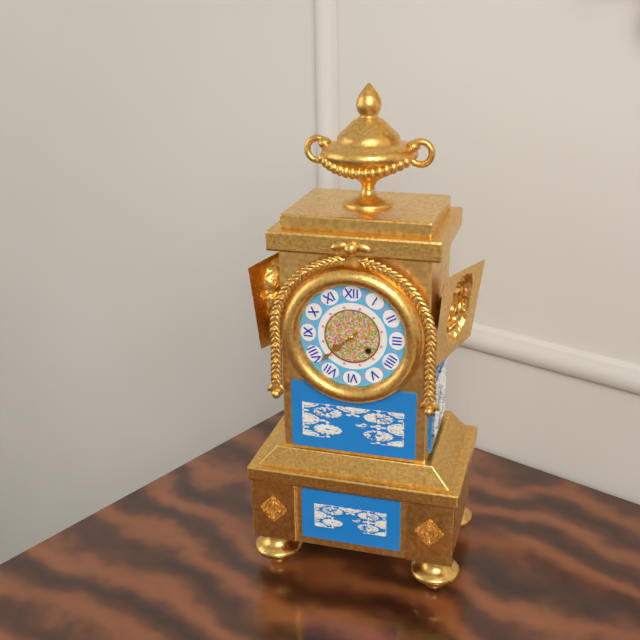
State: 7:38
